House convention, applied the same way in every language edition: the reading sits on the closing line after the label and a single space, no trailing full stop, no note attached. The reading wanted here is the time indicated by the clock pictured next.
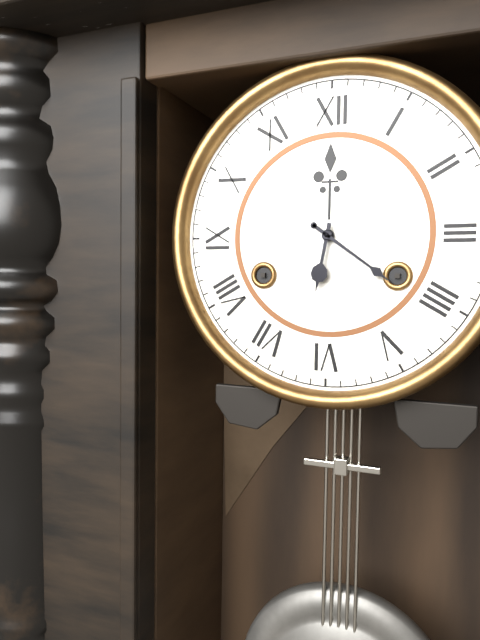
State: 6:21
